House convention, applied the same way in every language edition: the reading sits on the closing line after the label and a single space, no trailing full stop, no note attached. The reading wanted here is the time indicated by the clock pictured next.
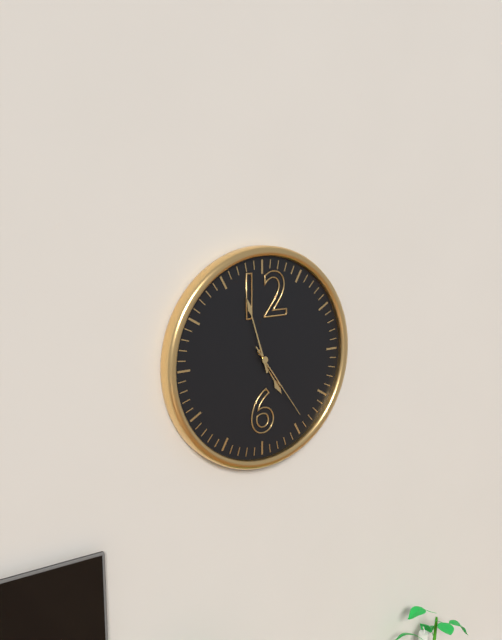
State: 4:57:24
